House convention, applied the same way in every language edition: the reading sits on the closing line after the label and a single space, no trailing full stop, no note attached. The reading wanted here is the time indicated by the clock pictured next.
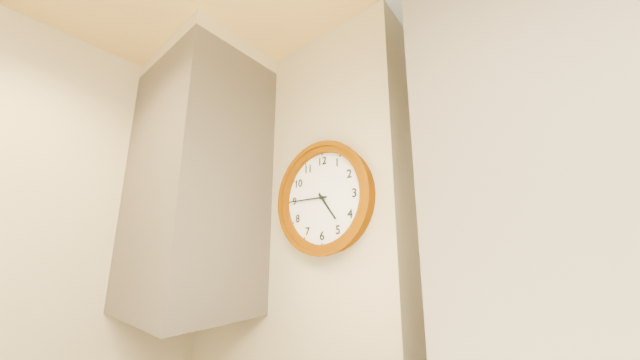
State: 4:45
